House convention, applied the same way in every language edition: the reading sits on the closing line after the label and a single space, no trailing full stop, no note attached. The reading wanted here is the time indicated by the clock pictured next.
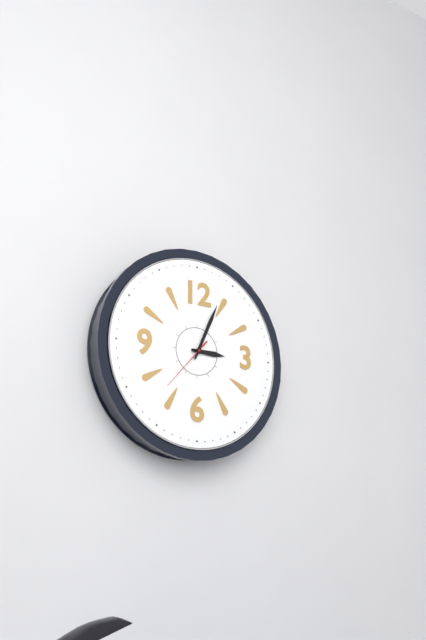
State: 3:04:37
